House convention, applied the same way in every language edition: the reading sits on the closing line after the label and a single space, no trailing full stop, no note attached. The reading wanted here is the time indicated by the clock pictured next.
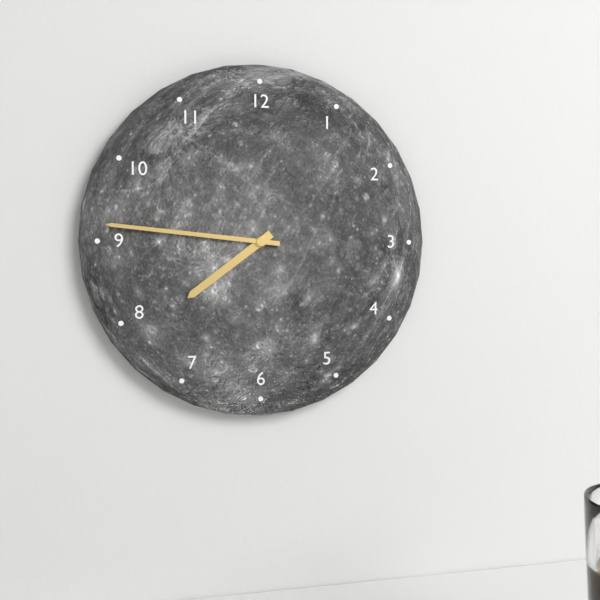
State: 7:46
